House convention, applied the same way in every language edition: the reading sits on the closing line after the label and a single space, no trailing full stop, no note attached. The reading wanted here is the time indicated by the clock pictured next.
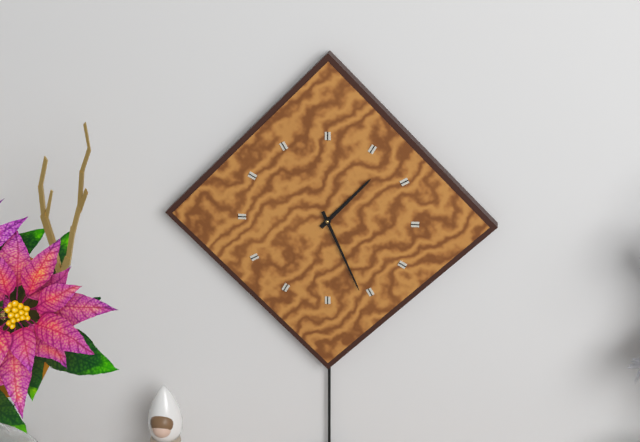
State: 1:26
